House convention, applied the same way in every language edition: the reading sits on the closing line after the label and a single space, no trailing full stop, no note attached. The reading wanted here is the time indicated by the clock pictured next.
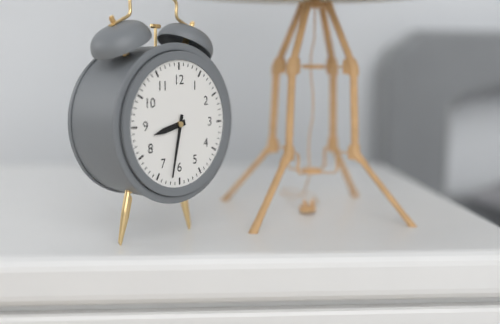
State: 8:32
